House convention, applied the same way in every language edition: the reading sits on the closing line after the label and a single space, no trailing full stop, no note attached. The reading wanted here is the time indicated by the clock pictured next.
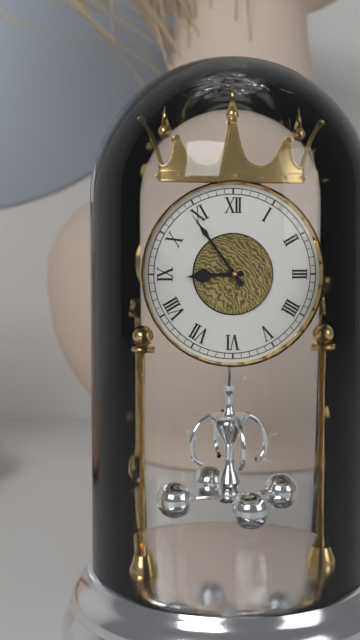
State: 8:54
